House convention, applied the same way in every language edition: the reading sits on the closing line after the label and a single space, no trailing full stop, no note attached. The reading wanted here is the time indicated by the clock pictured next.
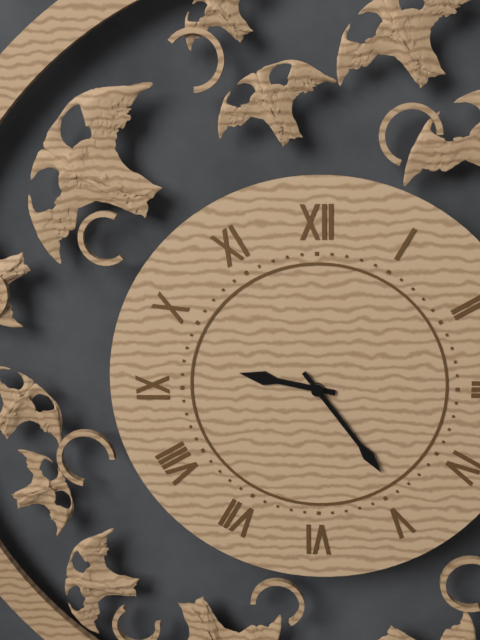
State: 9:24
